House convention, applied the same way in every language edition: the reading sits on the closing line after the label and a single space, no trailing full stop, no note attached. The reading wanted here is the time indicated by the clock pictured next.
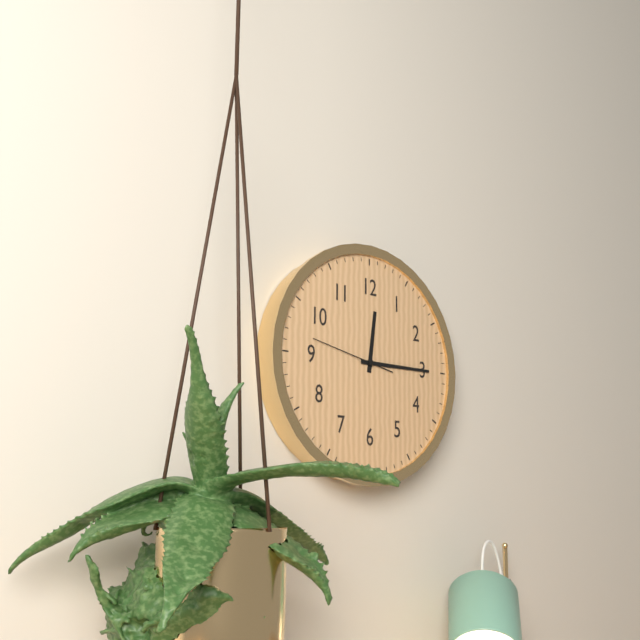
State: 12:15:47
